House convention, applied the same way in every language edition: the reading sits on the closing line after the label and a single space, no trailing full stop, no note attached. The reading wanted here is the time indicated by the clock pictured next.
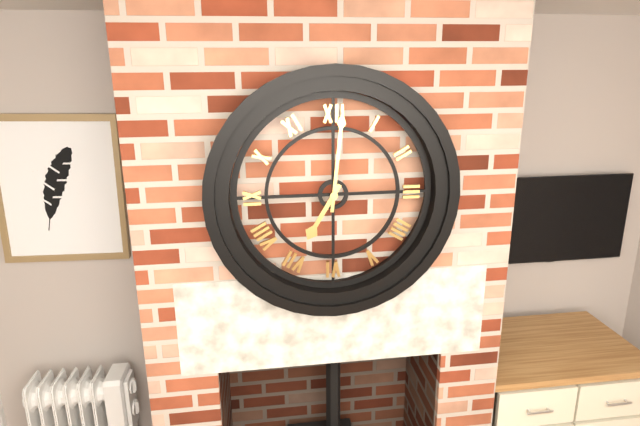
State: 7:01
